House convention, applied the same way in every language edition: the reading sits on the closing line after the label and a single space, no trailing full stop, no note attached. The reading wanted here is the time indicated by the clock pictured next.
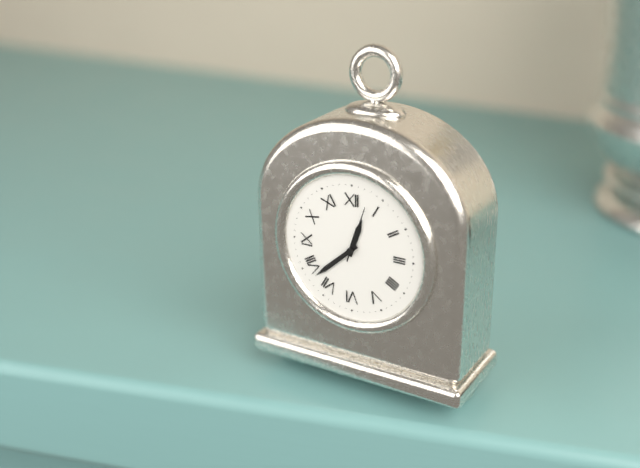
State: 12:38:03
